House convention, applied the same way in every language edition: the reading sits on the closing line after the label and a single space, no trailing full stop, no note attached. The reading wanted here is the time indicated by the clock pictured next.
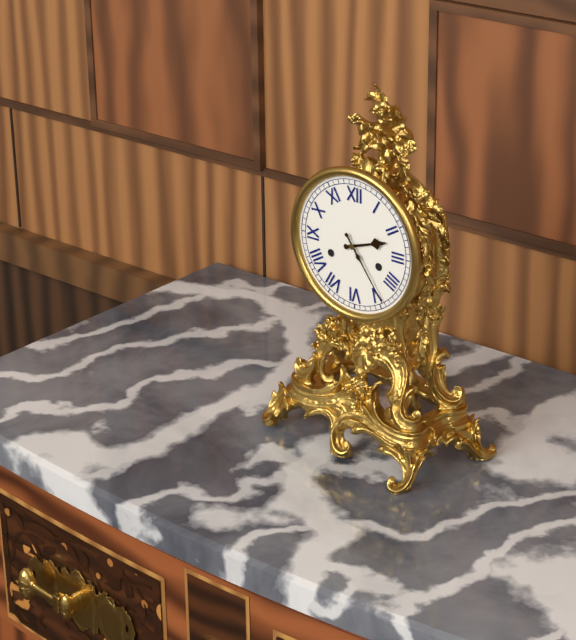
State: 2:24
